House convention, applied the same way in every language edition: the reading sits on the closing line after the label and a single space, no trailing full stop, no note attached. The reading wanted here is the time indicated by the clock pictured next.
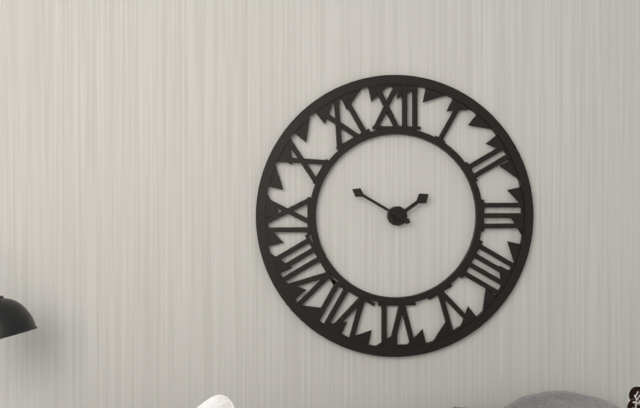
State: 1:50
